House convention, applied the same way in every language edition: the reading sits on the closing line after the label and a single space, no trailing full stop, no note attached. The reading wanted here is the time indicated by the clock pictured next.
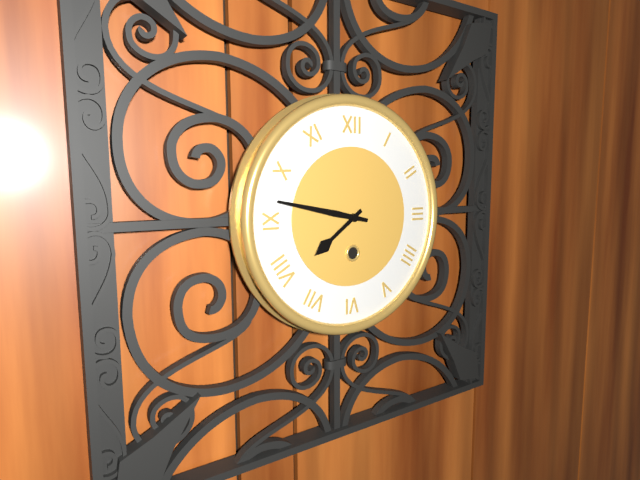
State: 7:47
